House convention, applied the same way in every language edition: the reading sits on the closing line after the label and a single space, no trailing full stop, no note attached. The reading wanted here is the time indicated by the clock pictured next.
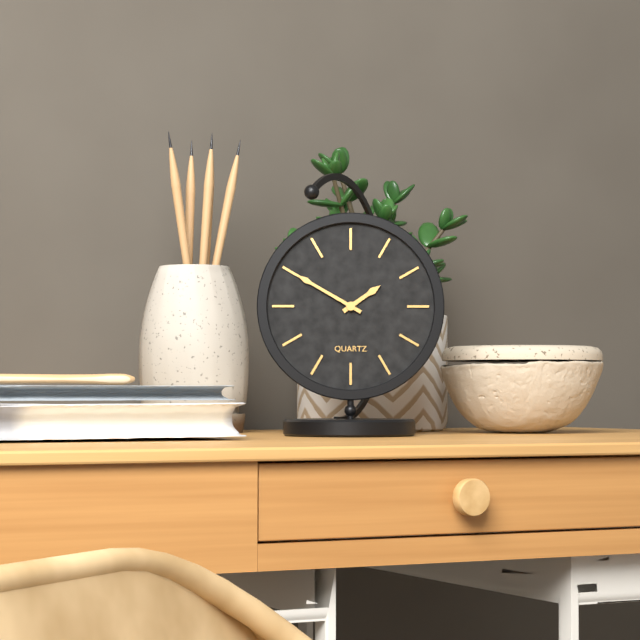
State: 1:50
